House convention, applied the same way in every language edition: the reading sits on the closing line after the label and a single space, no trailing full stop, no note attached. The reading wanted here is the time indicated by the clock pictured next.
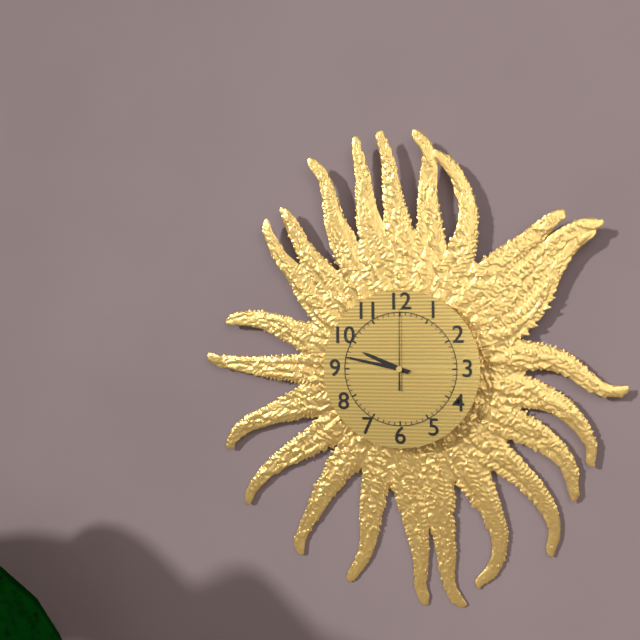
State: 9:47:00
